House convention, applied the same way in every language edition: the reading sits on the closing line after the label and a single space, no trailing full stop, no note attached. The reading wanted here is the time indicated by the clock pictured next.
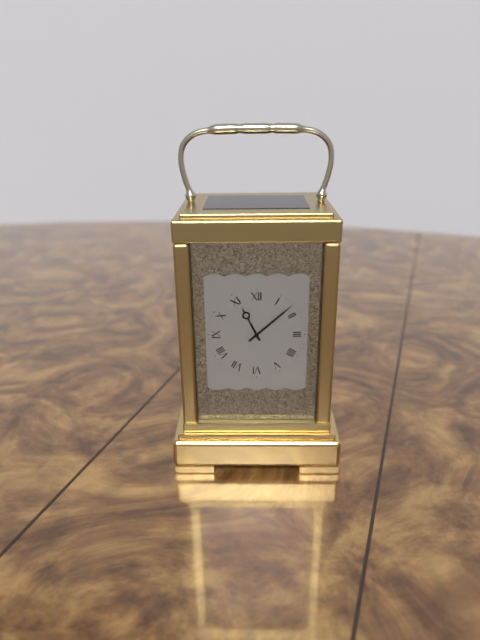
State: 11:08
